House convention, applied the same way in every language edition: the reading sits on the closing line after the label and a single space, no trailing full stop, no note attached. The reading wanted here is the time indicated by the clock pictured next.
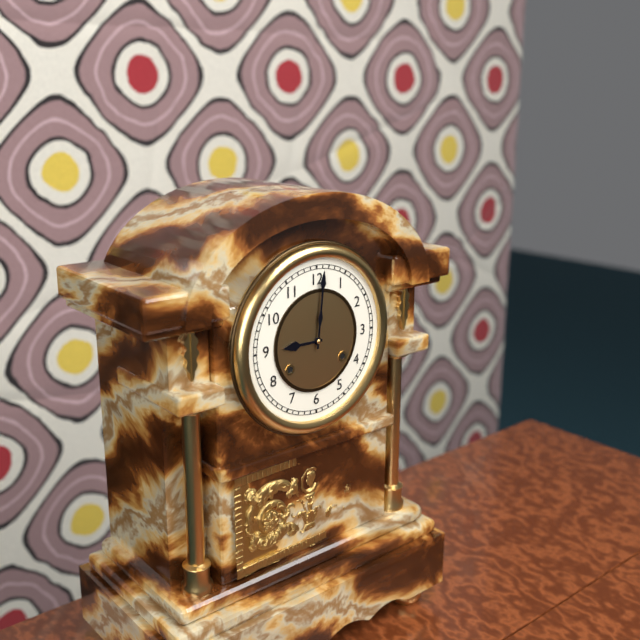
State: 9:01
